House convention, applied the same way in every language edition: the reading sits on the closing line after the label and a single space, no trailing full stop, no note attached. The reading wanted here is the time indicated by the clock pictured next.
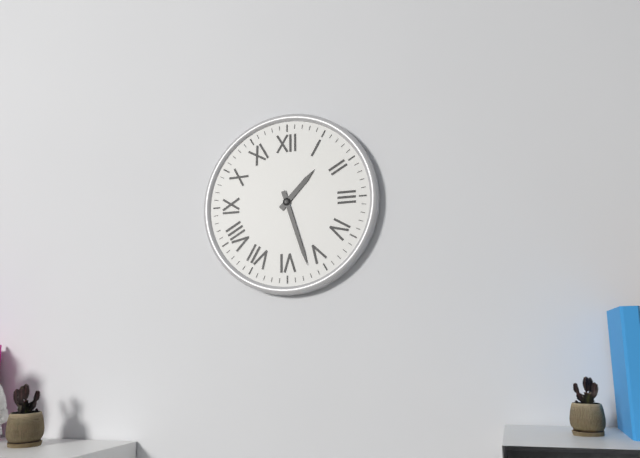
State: 1:27
